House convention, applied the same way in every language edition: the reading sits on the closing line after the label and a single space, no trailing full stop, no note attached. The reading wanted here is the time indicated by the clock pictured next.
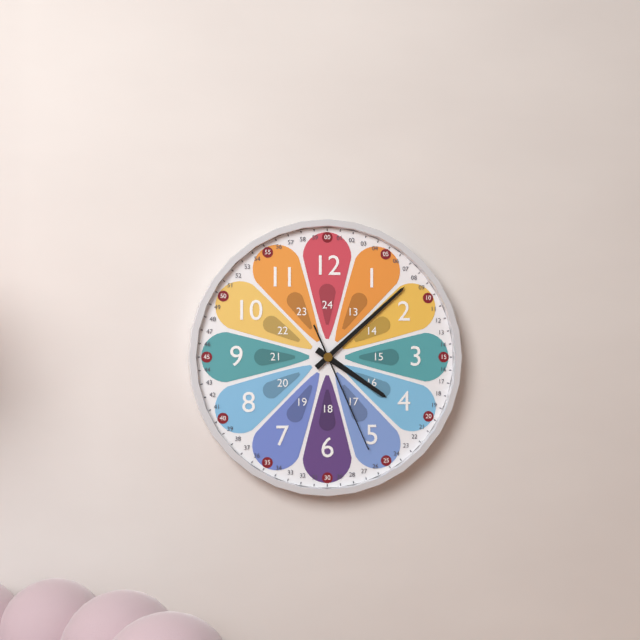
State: 4:08:26
